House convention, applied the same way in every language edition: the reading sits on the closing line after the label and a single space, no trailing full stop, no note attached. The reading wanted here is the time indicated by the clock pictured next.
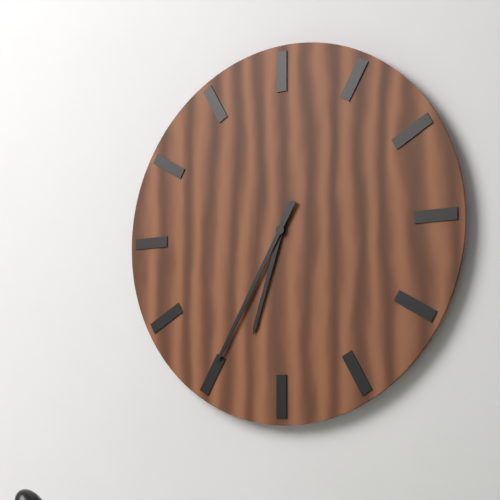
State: 6:35
